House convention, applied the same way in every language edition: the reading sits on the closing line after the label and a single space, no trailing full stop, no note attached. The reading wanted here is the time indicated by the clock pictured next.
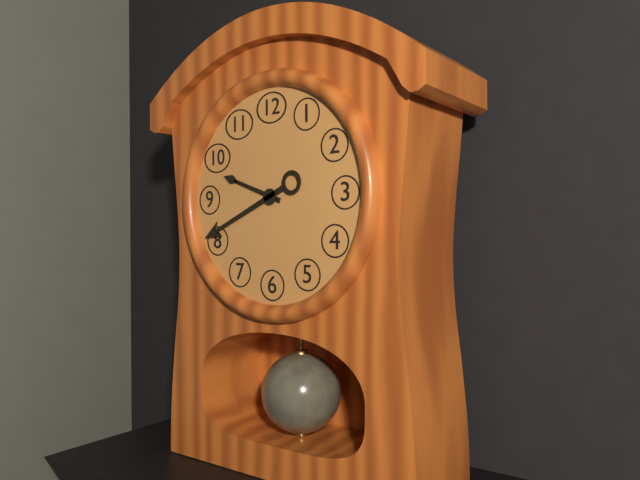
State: 9:41
